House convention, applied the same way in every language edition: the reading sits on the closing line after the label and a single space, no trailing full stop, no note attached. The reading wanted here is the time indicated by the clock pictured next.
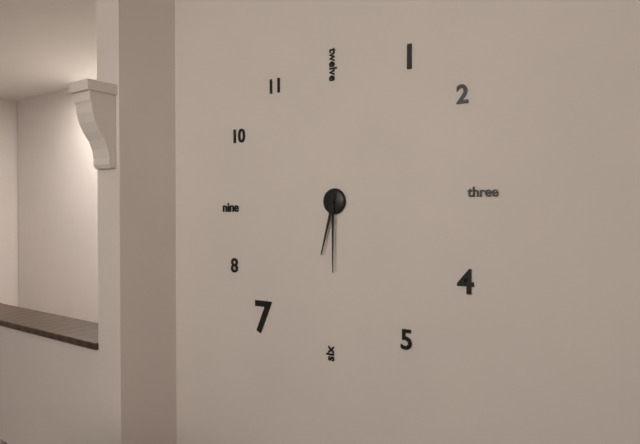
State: 6:30
